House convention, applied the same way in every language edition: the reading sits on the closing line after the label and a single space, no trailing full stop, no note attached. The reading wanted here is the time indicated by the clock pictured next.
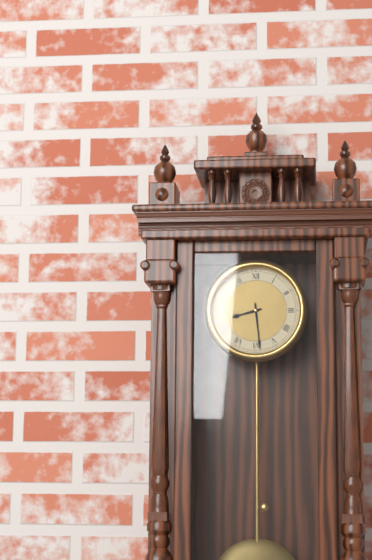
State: 8:29
